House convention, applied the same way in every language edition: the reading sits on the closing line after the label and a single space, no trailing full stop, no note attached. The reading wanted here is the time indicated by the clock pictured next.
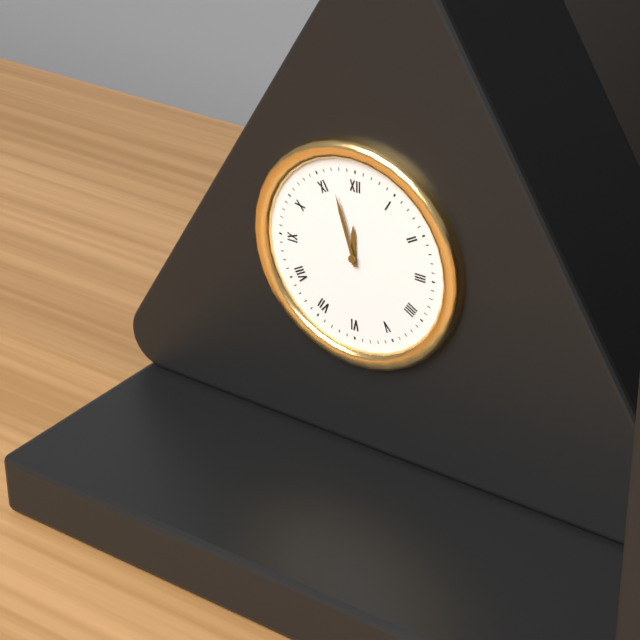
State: 11:57
